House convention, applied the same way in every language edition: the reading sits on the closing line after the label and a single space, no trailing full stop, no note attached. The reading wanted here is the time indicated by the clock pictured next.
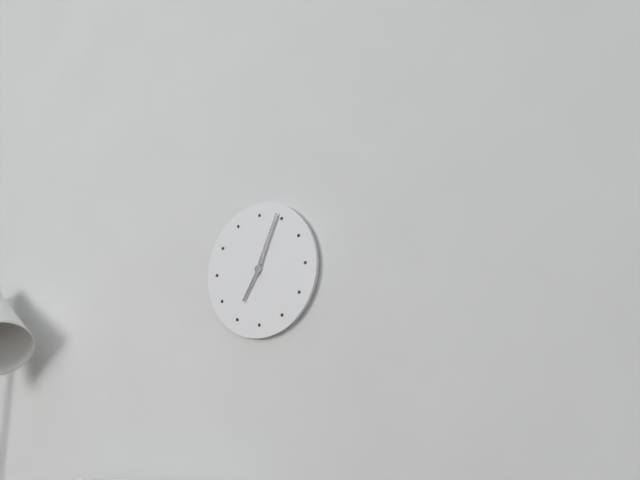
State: 7:04
